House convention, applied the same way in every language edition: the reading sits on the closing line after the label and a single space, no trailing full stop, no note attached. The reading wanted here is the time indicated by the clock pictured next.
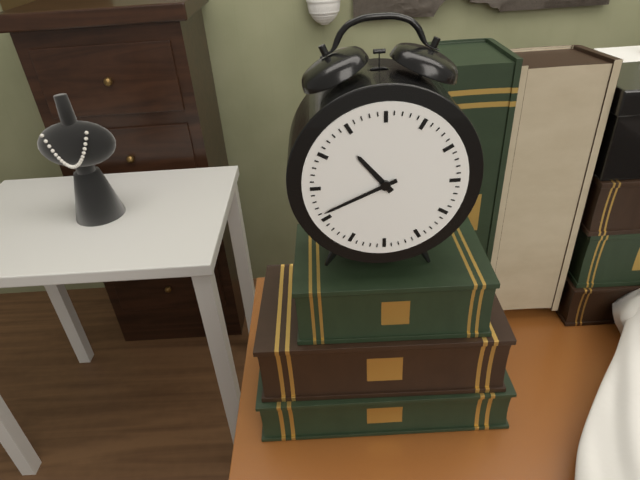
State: 10:41
